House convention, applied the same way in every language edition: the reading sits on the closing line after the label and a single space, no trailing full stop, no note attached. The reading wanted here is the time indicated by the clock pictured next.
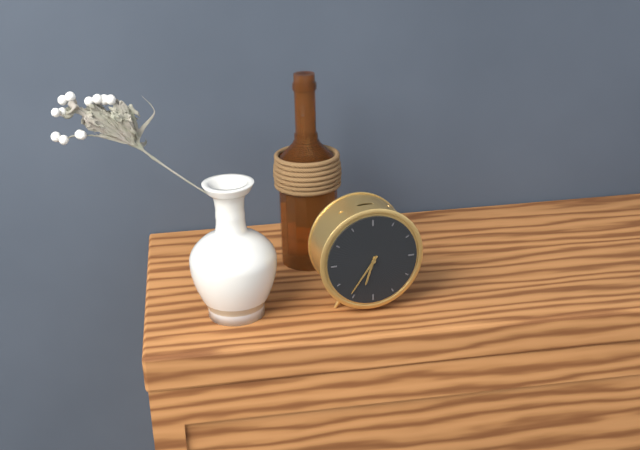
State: 6:36
